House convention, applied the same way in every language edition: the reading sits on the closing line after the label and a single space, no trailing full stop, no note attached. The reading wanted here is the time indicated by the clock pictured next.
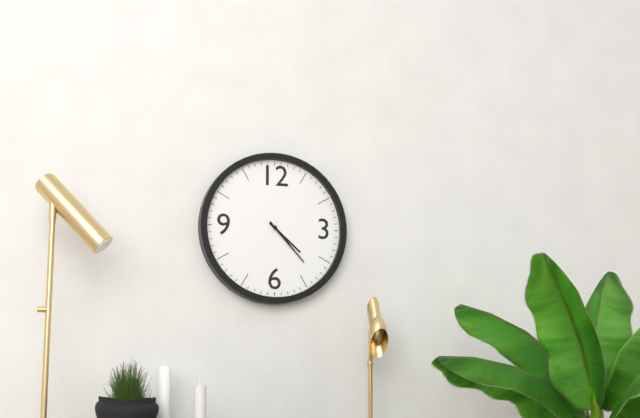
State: 4:23
